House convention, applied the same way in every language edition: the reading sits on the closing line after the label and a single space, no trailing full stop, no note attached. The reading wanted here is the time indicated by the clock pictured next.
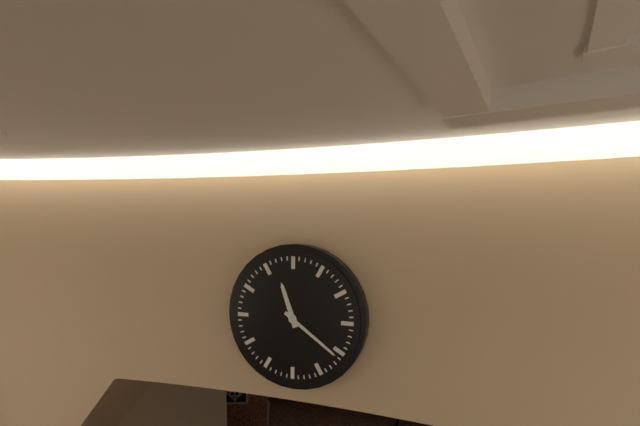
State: 11:21
